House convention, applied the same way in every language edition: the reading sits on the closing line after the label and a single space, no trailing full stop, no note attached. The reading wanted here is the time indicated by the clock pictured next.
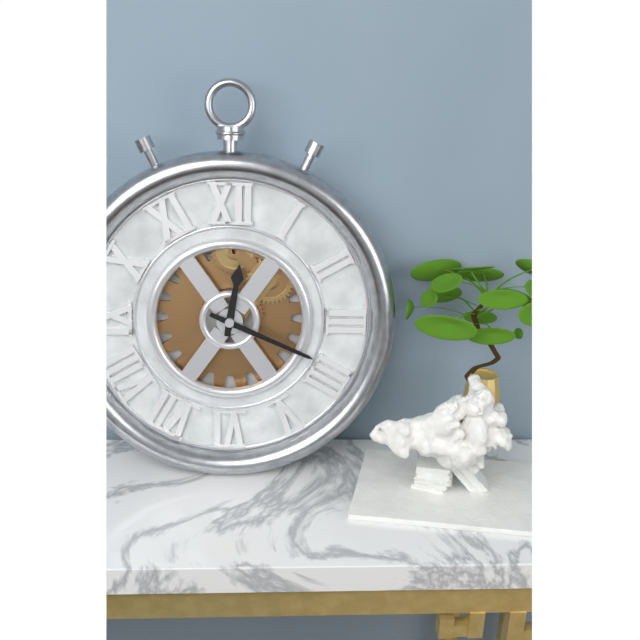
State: 12:19
